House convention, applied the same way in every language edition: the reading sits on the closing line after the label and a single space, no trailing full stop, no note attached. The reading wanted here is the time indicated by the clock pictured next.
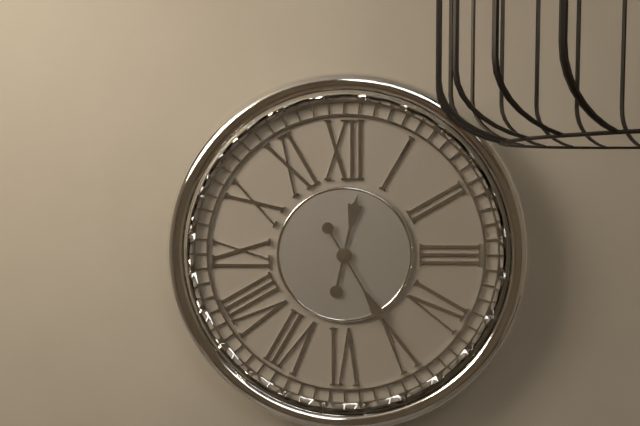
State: 12:25
